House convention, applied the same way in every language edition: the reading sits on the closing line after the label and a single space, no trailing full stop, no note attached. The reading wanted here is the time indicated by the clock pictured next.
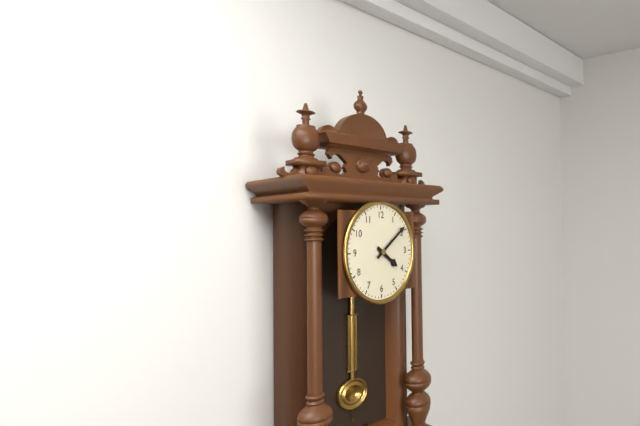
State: 4:09
